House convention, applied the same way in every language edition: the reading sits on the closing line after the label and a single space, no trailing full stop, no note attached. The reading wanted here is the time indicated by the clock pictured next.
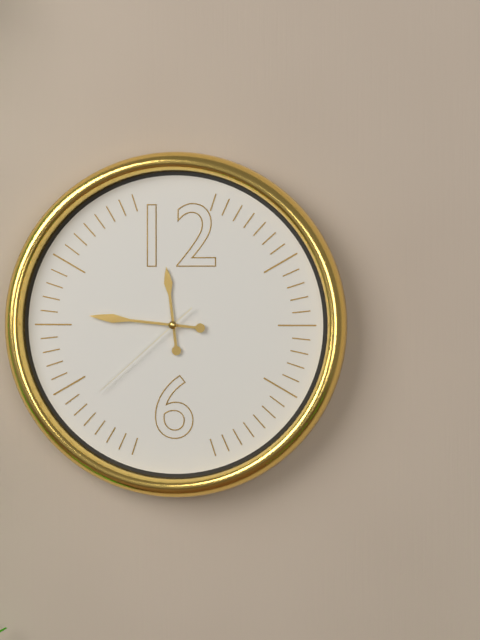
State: 11:46:38
